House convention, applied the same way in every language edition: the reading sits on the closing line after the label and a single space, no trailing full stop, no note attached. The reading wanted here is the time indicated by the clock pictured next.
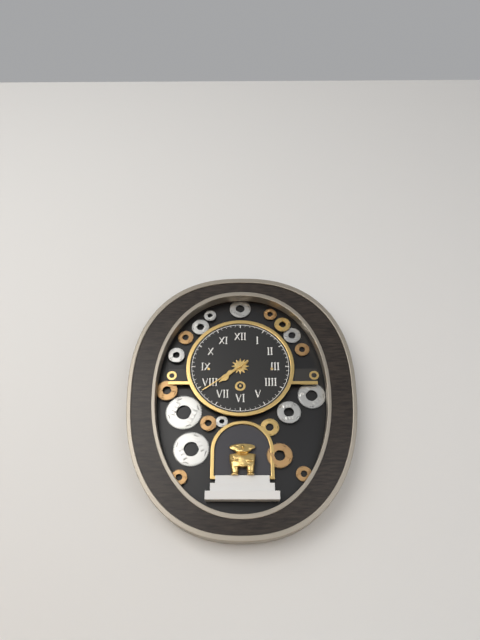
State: 7:39
